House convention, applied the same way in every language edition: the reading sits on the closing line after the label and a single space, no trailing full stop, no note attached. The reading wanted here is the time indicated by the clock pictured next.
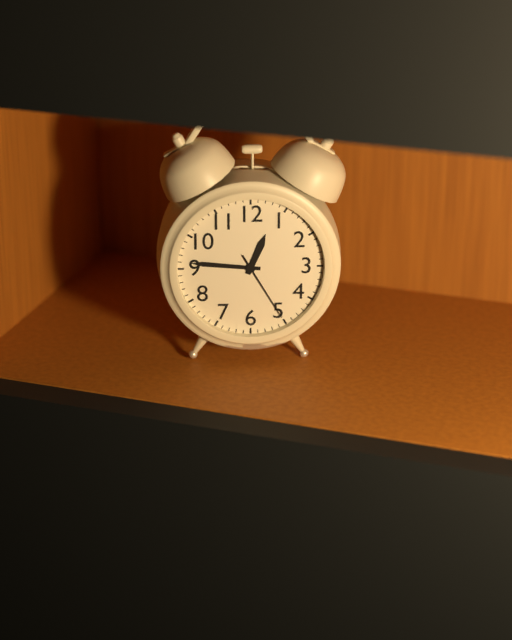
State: 12:46:25
